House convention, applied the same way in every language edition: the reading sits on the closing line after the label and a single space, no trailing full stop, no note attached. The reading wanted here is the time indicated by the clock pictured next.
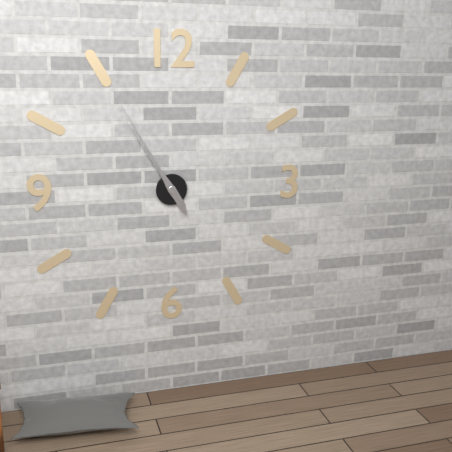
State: 10:55
